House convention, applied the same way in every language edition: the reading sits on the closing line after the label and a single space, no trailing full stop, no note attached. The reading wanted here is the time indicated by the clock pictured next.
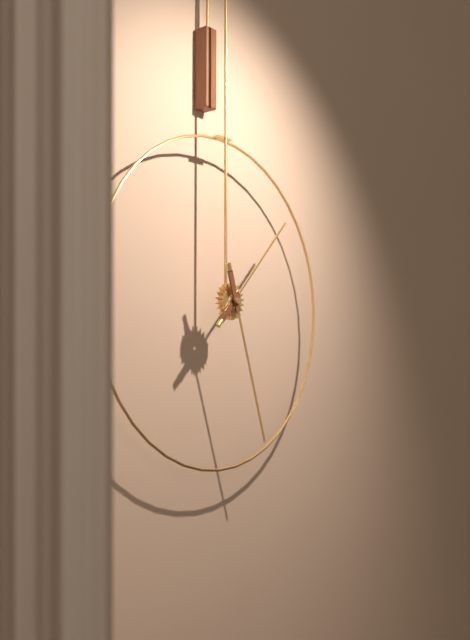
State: 1:27
